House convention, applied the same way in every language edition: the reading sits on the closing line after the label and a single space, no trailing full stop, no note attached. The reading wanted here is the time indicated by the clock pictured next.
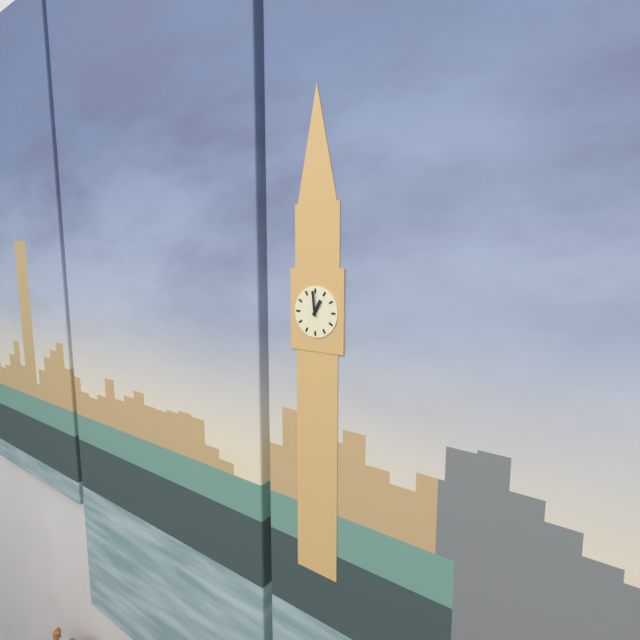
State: 12:59
